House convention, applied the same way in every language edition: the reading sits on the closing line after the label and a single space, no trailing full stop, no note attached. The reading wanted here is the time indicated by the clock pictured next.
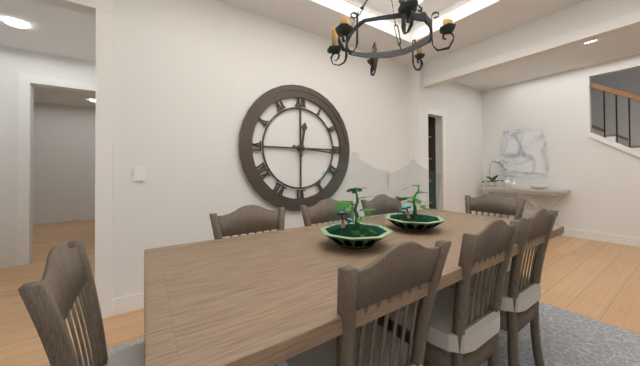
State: 12:16
